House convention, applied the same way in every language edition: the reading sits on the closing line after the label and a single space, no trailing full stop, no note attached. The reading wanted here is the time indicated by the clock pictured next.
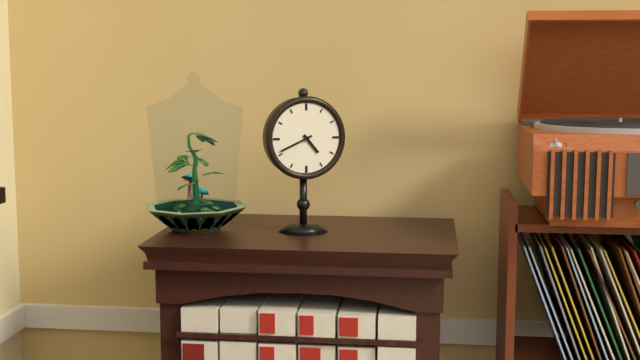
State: 4:41
